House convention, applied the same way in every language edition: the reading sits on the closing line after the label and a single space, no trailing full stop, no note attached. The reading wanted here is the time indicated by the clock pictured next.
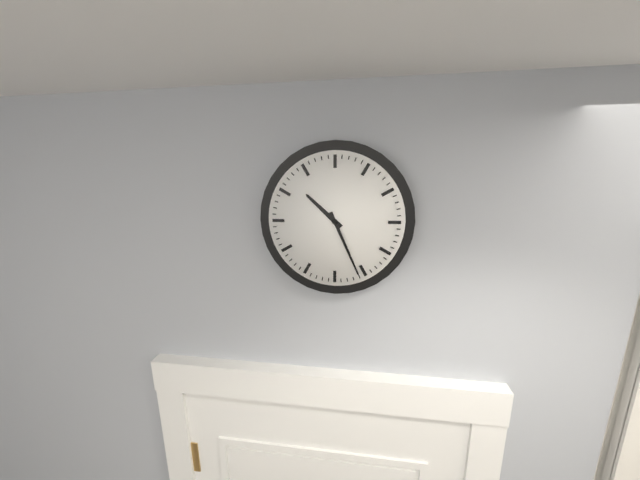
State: 10:26
